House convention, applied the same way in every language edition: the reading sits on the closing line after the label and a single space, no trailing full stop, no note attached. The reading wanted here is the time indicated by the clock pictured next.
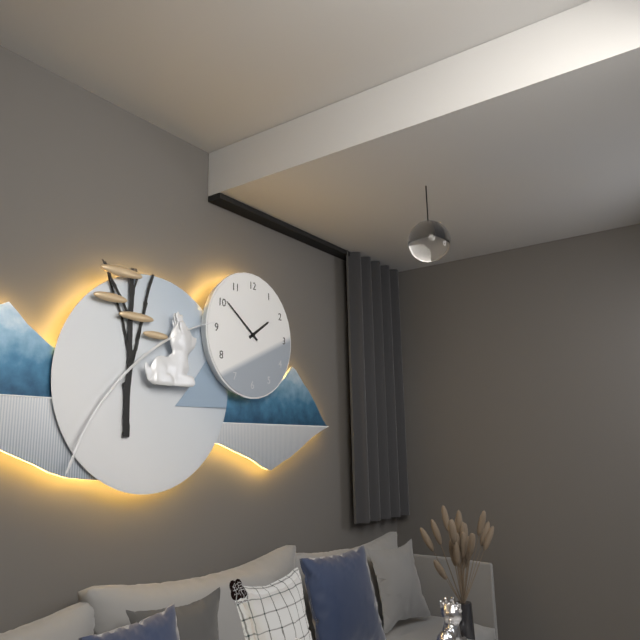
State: 1:51
